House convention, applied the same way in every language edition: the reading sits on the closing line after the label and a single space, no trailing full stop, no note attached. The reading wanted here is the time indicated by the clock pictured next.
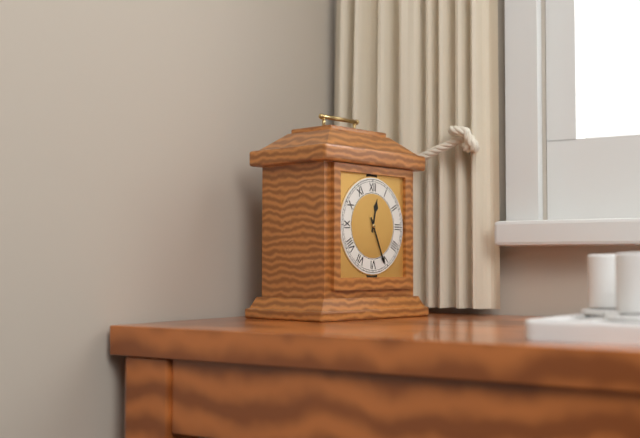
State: 12:26
